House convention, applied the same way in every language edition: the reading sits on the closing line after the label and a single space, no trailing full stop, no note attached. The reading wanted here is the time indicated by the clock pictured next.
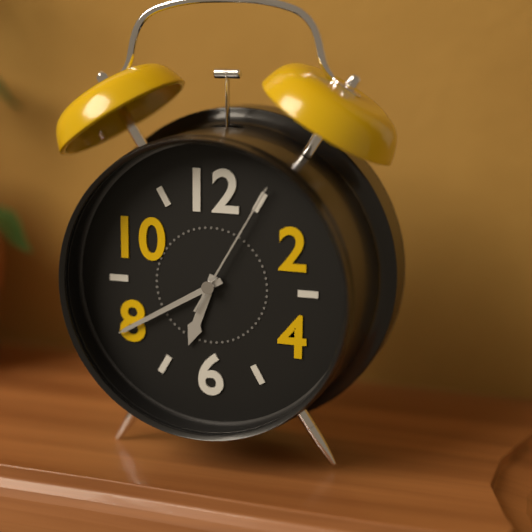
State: 6:40:05
